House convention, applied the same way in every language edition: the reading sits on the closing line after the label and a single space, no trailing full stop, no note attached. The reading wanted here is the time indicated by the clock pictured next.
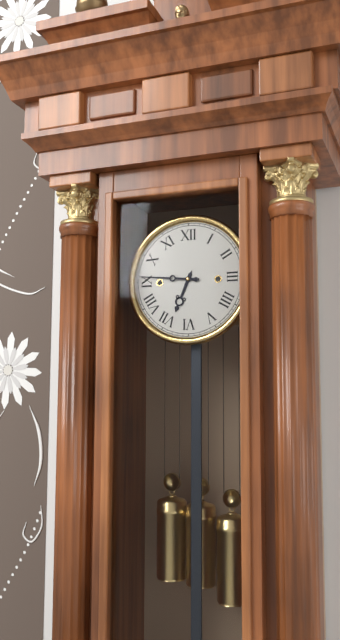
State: 6:46
